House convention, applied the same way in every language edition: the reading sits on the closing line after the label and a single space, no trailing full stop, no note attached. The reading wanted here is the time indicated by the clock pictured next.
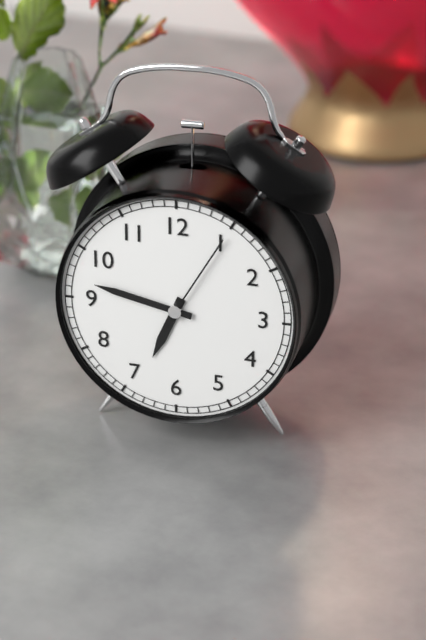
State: 6:47:05
